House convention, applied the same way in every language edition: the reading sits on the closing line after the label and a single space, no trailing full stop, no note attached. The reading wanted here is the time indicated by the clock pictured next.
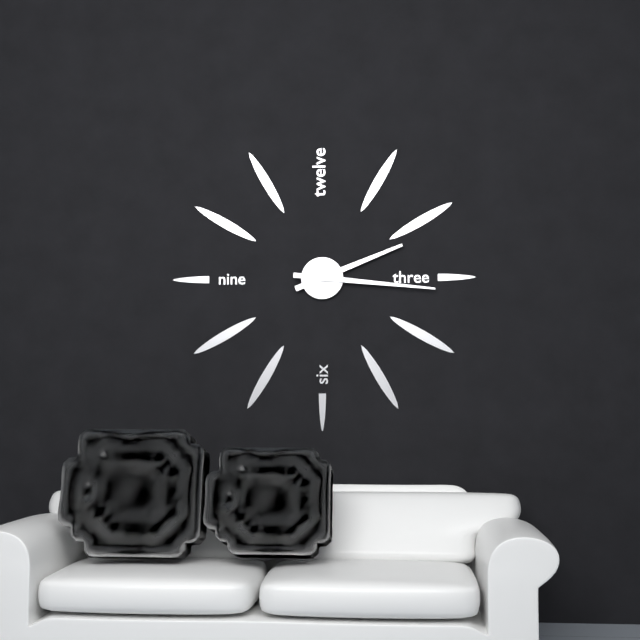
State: 2:16
